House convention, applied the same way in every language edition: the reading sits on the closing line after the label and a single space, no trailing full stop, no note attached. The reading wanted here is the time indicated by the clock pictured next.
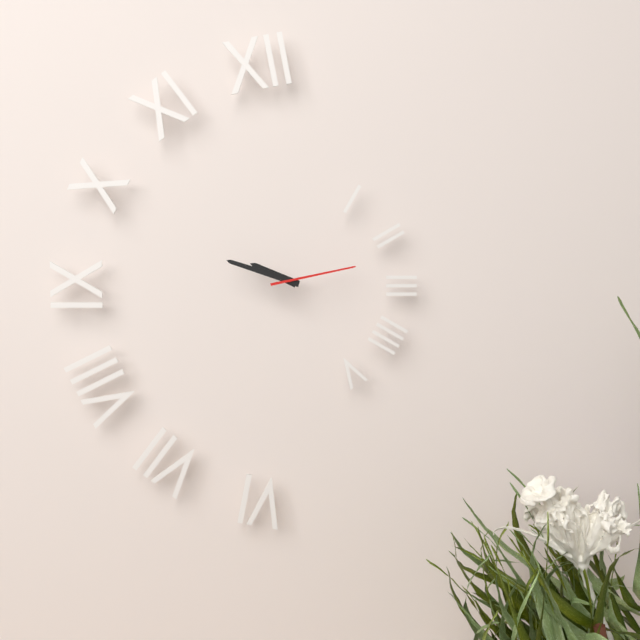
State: 9:48:13
